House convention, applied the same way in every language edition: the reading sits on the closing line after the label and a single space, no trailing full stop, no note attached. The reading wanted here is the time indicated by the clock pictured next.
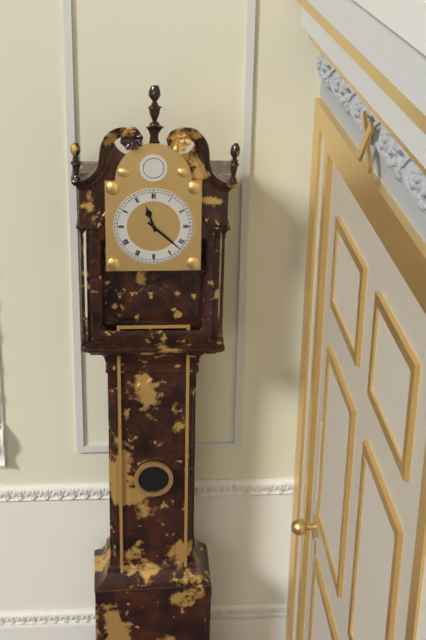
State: 11:22
